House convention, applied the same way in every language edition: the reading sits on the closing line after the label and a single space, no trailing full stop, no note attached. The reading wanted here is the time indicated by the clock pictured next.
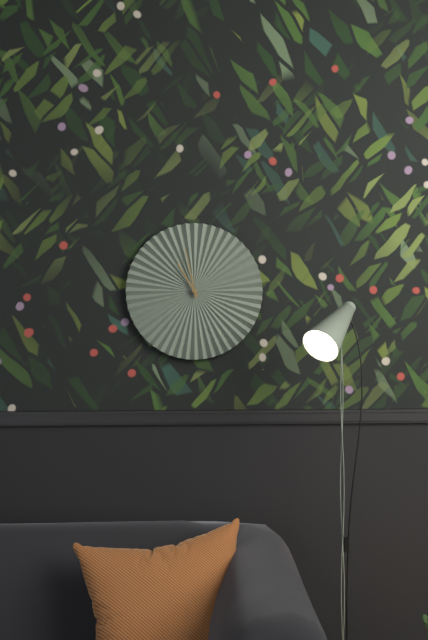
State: 10:58
